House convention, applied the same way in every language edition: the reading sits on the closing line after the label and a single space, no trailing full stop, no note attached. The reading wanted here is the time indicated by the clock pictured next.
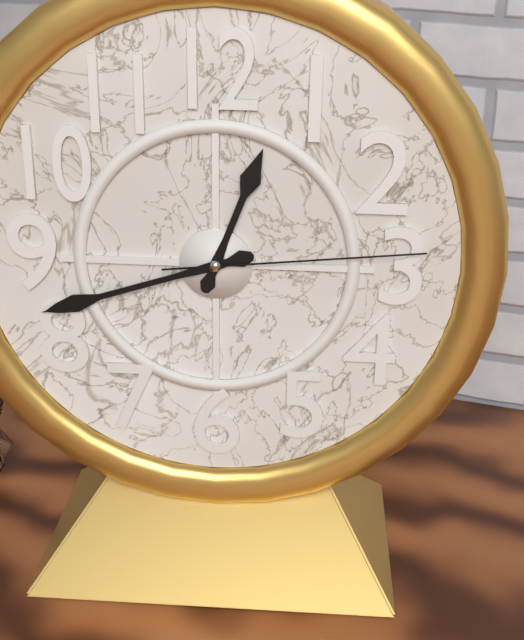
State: 12:42:14
